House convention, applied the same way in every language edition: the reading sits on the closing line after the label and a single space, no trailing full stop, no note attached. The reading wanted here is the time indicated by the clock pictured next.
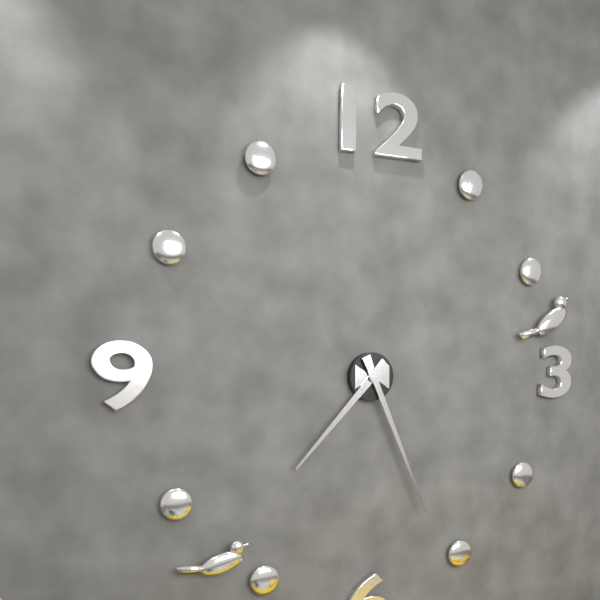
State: 7:26
